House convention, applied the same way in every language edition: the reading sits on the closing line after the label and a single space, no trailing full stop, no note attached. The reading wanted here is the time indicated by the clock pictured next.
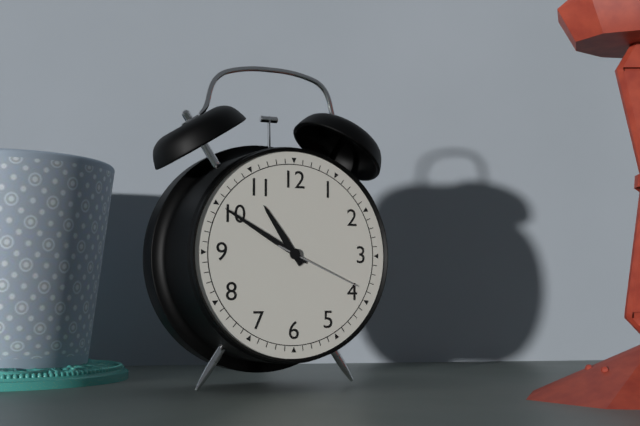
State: 10:50:19
